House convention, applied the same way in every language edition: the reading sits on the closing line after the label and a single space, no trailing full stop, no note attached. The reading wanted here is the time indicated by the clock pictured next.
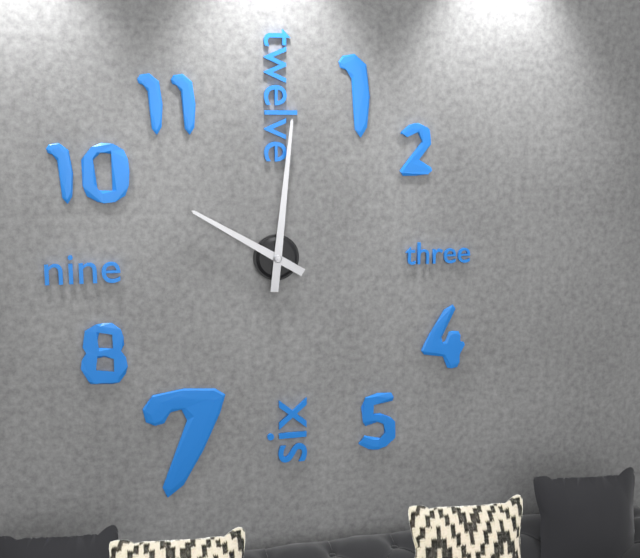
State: 10:01
